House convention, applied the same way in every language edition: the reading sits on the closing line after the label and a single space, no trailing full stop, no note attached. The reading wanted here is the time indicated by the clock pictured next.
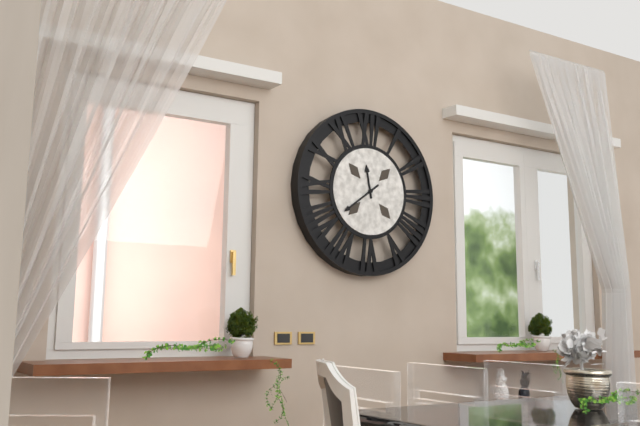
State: 11:39
